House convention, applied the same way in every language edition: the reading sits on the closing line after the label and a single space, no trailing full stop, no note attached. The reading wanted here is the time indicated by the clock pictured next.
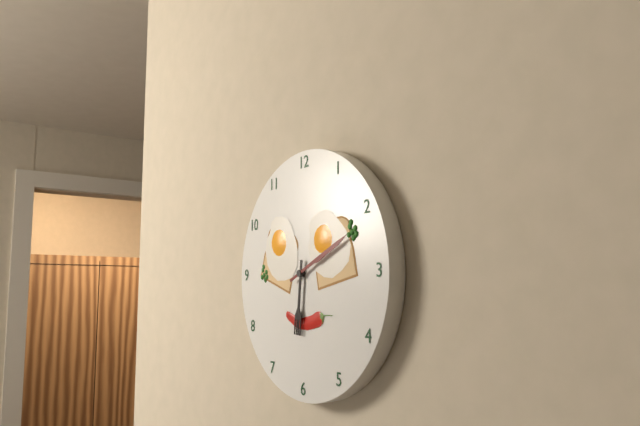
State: 6:11
